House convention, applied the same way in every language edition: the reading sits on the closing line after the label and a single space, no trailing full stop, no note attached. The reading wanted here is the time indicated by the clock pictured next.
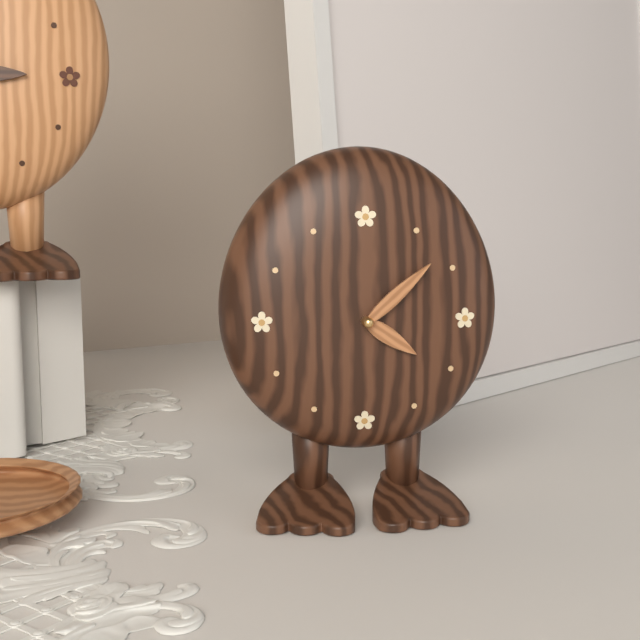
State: 4:08
